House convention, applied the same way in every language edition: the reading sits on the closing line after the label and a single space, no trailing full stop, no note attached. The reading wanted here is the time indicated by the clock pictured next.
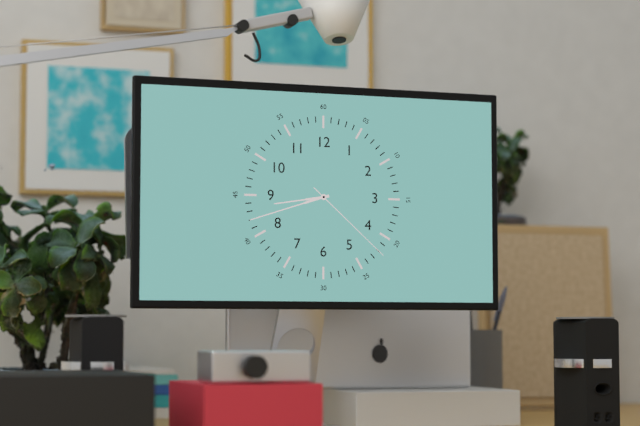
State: 8:42:22
